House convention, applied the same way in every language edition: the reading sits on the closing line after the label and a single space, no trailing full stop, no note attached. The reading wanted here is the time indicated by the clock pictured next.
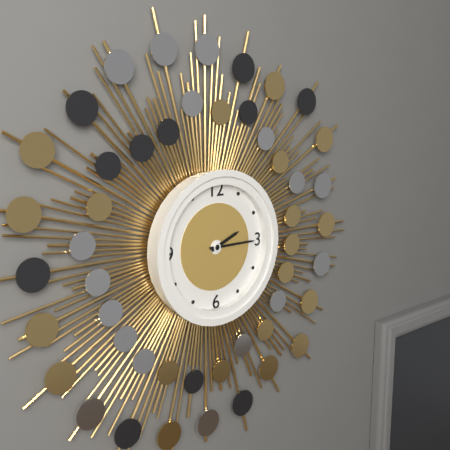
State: 2:15
